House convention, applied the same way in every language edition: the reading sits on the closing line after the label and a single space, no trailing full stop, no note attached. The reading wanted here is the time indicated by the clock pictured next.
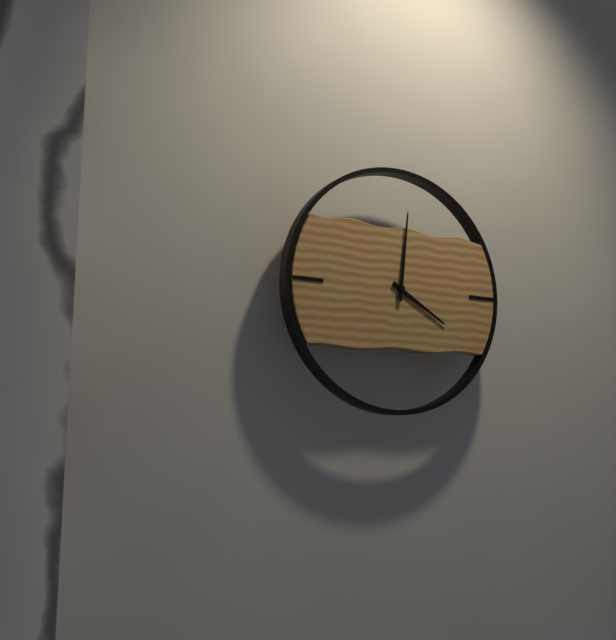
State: 4:01
